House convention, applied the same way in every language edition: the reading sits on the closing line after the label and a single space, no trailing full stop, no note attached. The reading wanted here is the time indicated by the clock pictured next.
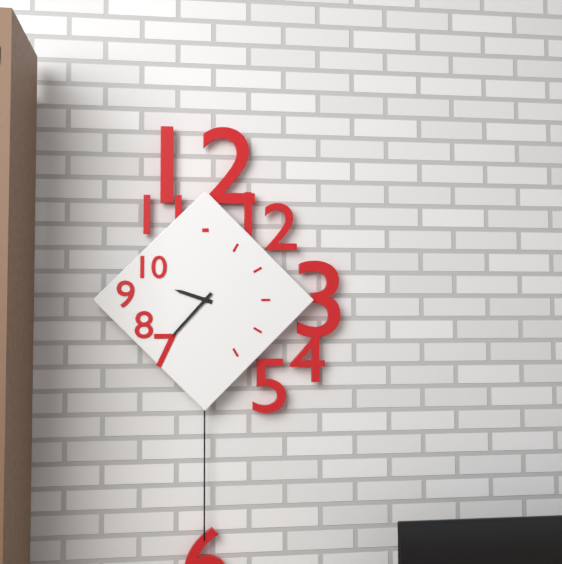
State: 9:37
